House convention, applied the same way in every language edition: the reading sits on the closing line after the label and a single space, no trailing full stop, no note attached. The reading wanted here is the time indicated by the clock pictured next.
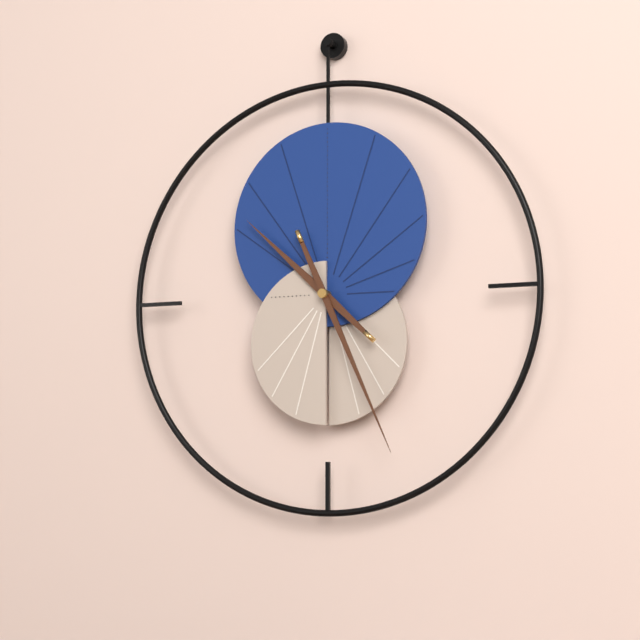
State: 10:26
